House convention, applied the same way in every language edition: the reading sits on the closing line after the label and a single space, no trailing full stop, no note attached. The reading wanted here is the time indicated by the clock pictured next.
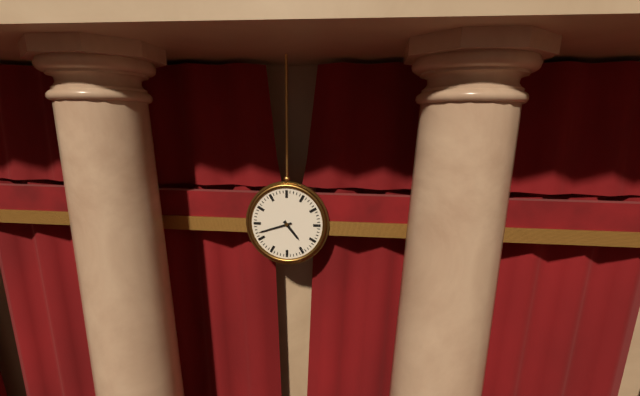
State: 4:42
